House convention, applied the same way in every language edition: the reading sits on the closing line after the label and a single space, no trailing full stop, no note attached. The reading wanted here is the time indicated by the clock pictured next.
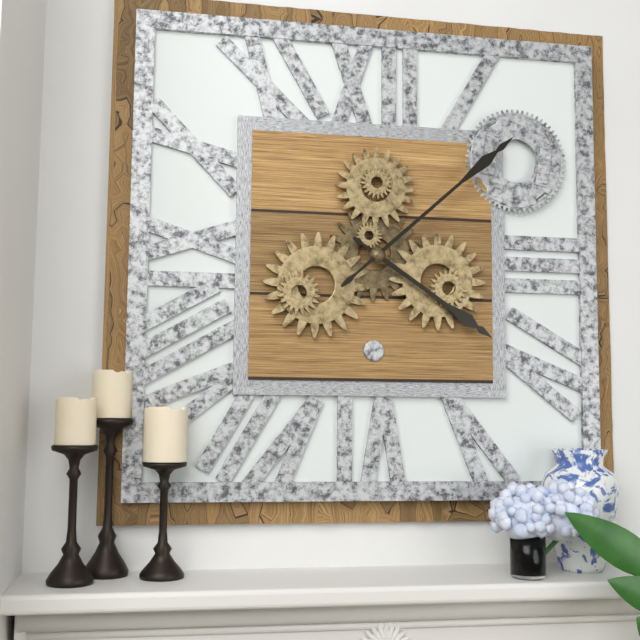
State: 4:08
